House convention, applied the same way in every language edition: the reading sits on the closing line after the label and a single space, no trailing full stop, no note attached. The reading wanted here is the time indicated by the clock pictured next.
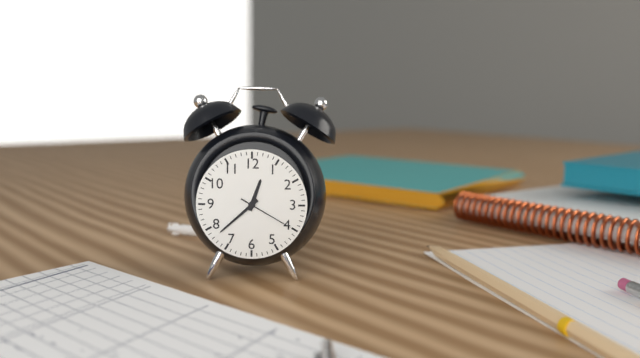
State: 12:38:20
